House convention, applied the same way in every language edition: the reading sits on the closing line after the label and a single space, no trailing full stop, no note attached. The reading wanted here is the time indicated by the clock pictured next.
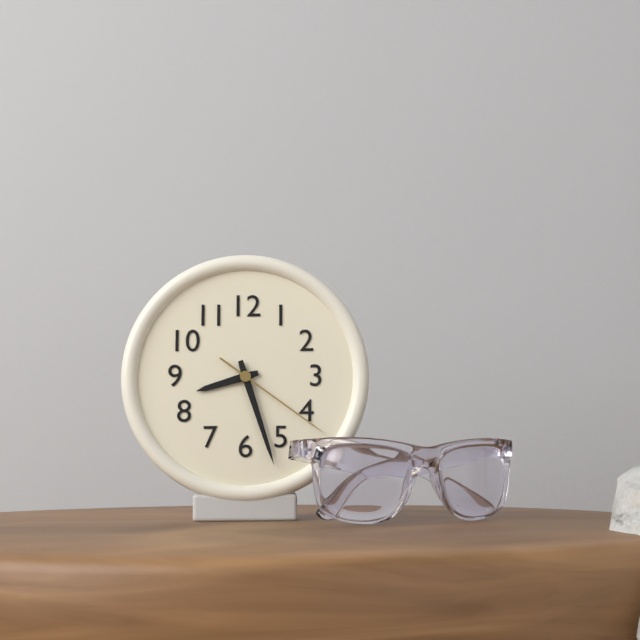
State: 8:27:21
